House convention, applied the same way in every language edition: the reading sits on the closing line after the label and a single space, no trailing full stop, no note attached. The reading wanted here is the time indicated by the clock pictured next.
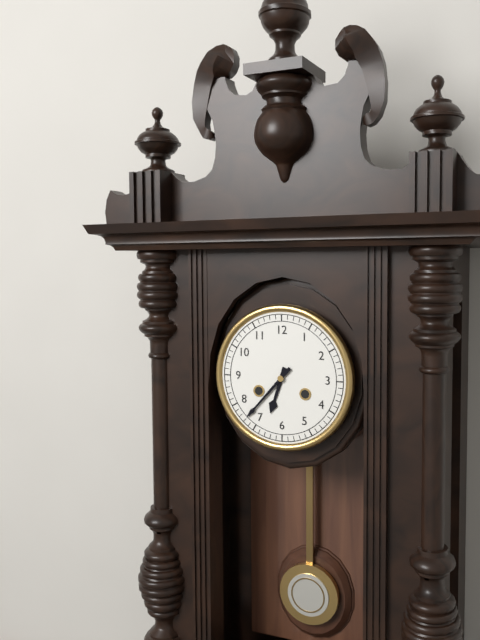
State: 6:37
